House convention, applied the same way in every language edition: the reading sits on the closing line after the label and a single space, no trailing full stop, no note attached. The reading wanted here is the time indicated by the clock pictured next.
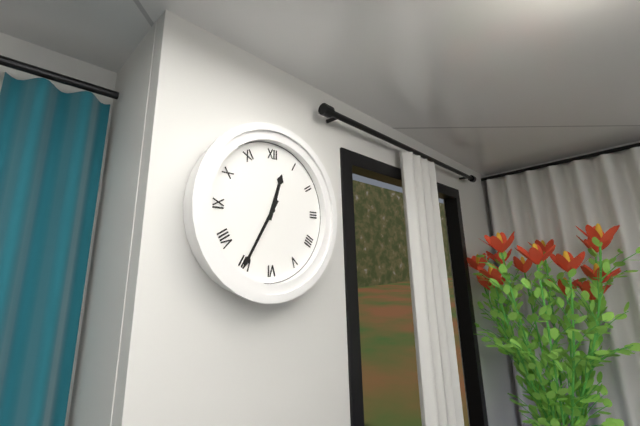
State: 12:35
